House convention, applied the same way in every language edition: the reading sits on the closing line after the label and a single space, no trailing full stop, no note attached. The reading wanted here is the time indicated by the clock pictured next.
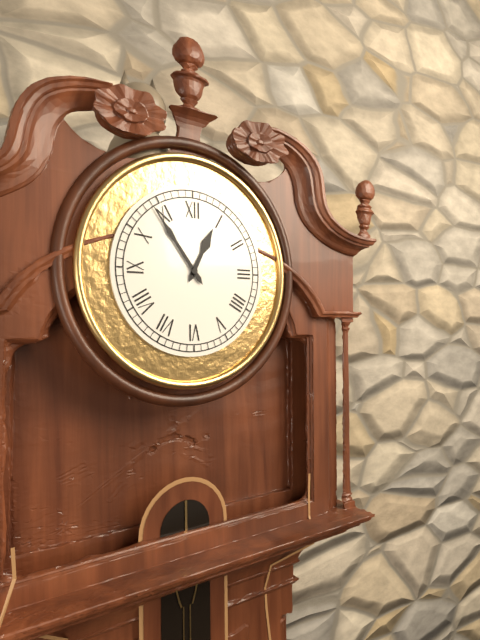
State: 12:54
